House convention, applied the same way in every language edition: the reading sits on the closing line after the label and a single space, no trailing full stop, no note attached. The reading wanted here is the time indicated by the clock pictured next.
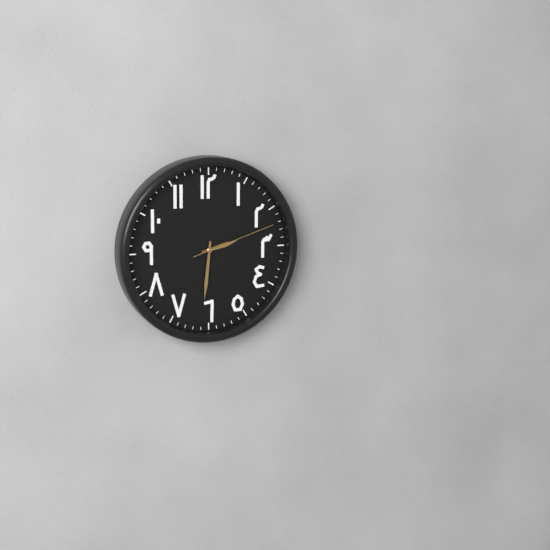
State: 2:31:12
